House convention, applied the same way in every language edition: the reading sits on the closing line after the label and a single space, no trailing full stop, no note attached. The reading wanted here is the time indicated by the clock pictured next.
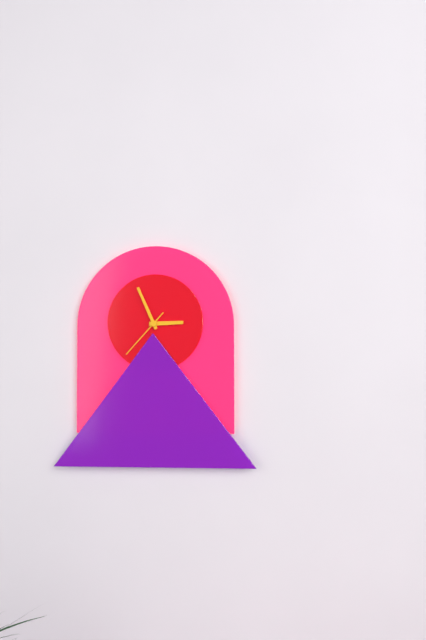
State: 2:56:37
